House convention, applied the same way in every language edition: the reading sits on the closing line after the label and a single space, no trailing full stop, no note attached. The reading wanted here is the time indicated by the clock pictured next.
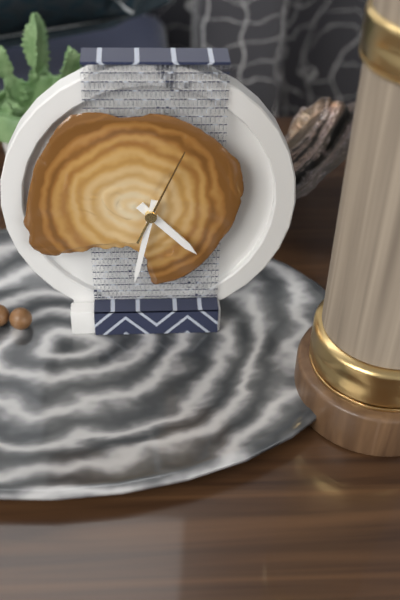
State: 4:32:04
